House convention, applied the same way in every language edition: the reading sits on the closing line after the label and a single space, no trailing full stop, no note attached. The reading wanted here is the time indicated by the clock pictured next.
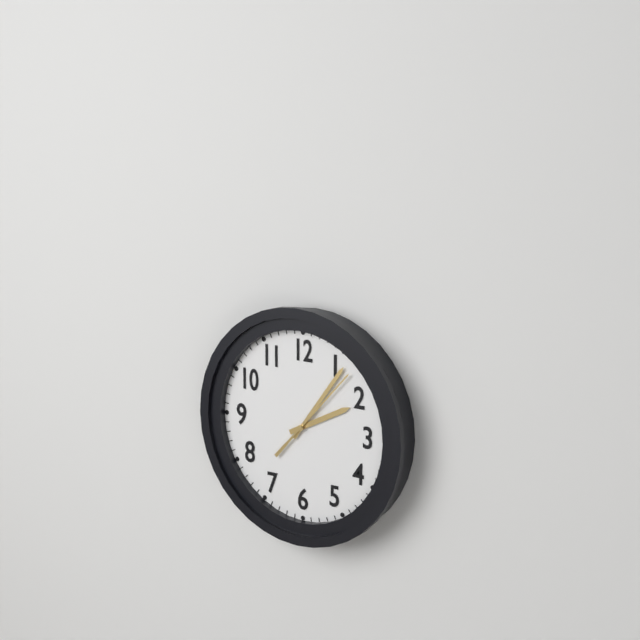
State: 2:06:07
